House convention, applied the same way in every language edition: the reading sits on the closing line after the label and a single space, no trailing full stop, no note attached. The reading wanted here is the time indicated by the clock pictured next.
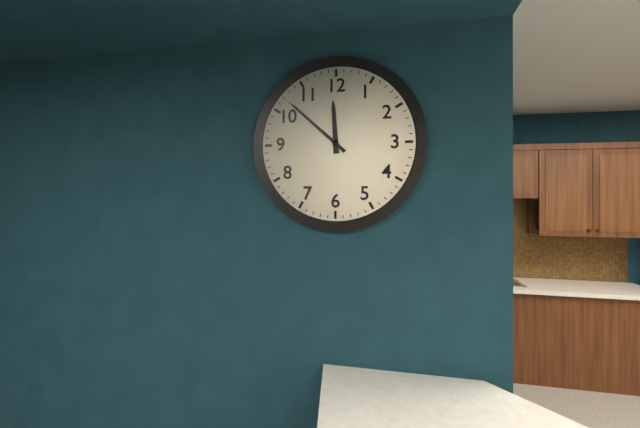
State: 11:52
